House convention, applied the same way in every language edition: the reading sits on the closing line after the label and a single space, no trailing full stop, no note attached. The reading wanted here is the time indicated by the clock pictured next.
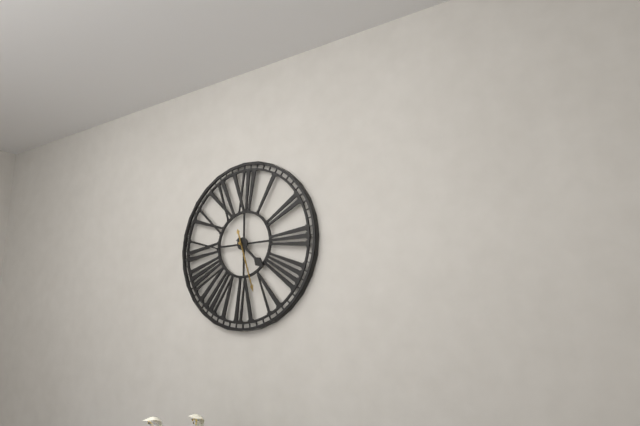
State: 4:27
